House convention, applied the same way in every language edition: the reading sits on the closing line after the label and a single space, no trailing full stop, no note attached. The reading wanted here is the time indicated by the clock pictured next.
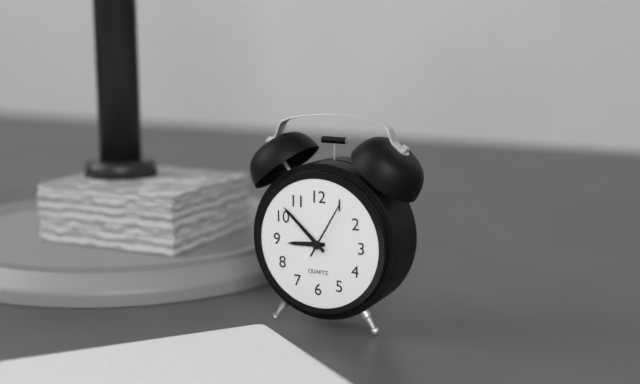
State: 8:52:05
